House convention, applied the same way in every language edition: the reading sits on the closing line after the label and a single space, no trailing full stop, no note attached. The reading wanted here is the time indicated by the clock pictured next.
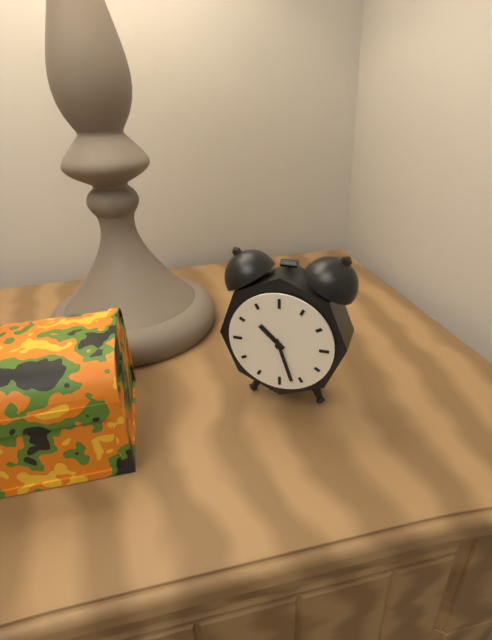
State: 10:27
